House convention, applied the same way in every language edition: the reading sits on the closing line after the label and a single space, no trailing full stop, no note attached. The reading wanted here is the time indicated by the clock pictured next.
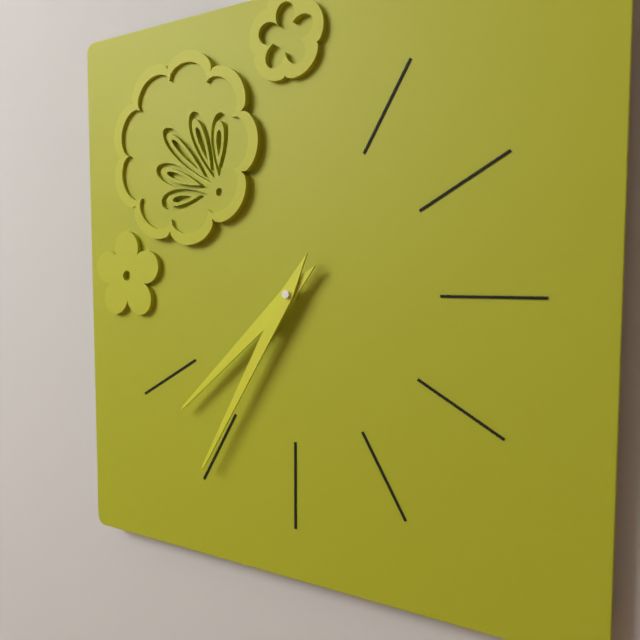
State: 7:35
